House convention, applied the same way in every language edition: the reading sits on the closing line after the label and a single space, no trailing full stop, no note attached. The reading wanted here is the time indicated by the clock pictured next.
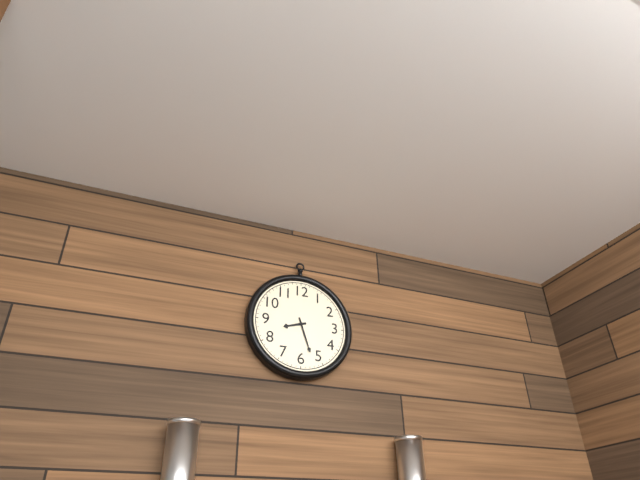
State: 8:27
